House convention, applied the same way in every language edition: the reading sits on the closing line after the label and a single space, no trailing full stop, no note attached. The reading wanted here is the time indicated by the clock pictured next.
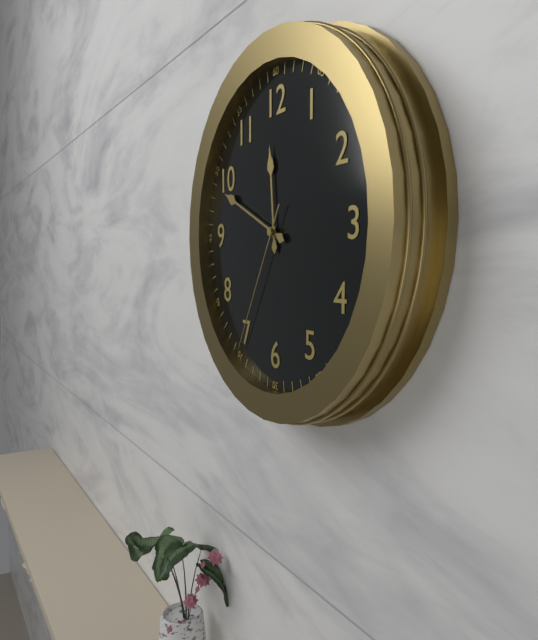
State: 11:49:35
